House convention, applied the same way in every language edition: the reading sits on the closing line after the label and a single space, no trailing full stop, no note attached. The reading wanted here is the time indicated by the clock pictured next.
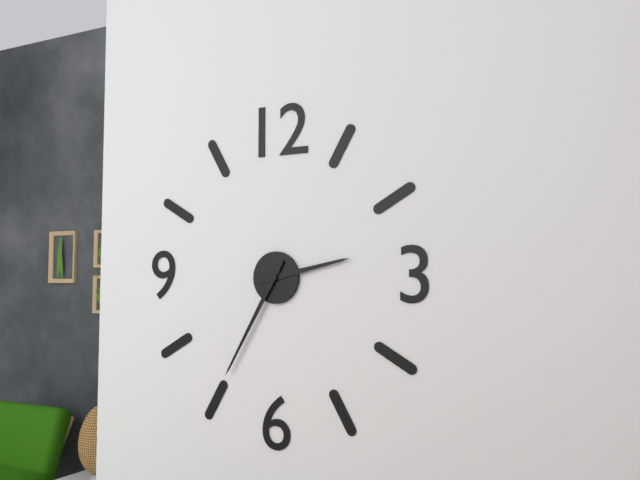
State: 2:35
